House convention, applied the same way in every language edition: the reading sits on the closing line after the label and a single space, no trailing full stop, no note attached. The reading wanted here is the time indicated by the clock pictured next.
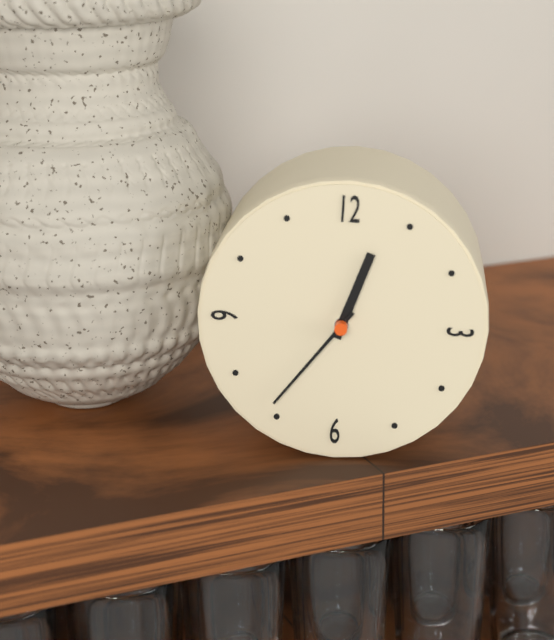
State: 12:36
